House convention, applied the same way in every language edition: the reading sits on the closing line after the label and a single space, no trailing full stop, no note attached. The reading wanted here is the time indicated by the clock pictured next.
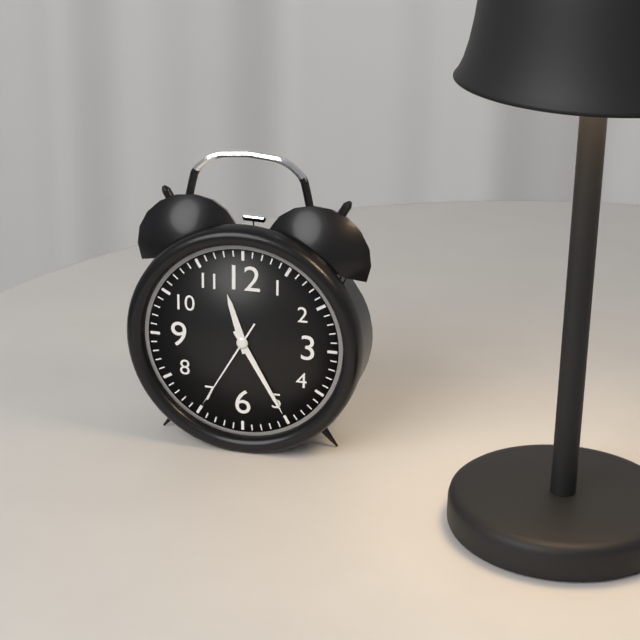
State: 11:25:35
